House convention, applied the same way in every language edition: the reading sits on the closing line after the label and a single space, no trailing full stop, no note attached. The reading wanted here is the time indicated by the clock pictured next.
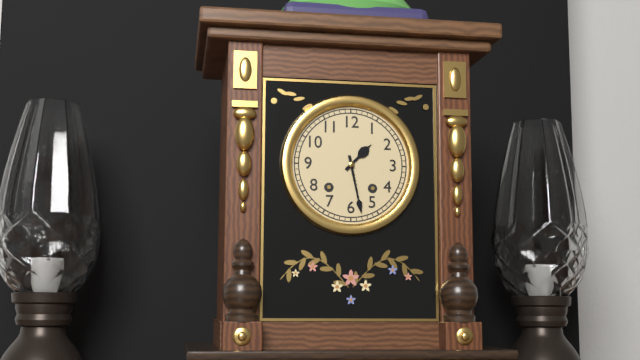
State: 1:28
